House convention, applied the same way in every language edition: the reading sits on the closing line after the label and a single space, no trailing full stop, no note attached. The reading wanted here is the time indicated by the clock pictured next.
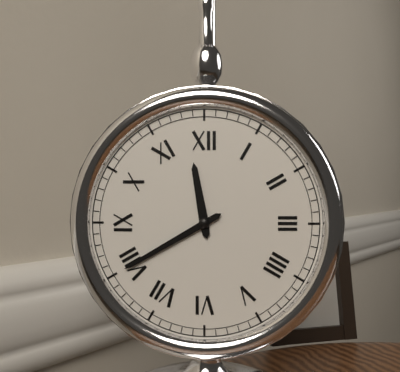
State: 11:40
